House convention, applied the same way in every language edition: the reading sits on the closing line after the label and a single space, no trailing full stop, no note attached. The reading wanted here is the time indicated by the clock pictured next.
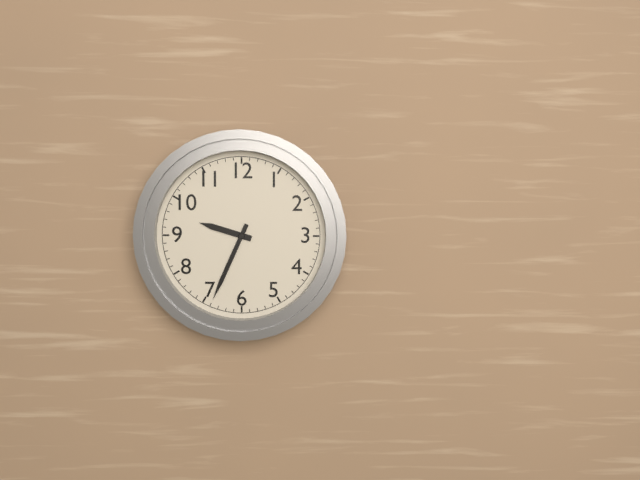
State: 9:34
